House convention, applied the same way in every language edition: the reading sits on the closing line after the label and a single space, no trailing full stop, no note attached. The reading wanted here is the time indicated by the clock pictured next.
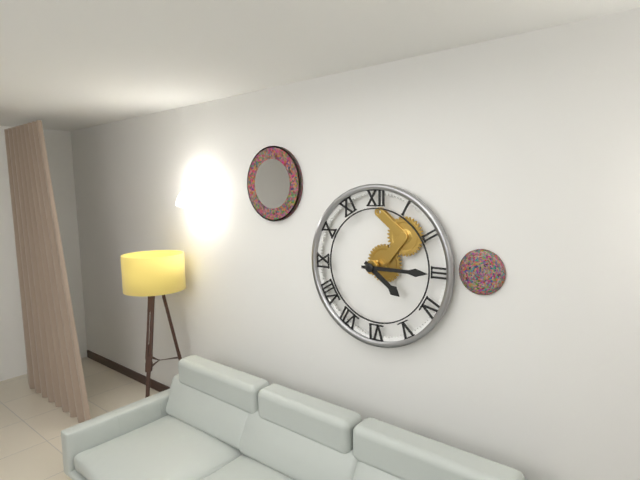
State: 4:15
